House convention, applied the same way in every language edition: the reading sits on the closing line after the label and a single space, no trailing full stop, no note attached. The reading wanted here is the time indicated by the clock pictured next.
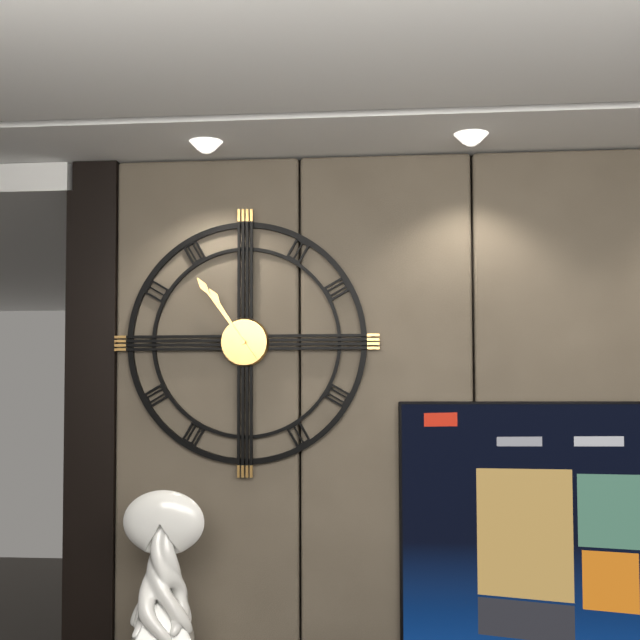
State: 10:54
